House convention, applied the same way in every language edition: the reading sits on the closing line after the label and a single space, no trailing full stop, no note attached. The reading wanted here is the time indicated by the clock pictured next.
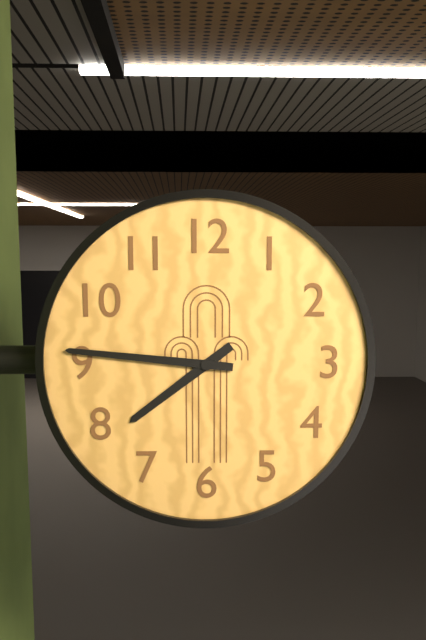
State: 7:46
